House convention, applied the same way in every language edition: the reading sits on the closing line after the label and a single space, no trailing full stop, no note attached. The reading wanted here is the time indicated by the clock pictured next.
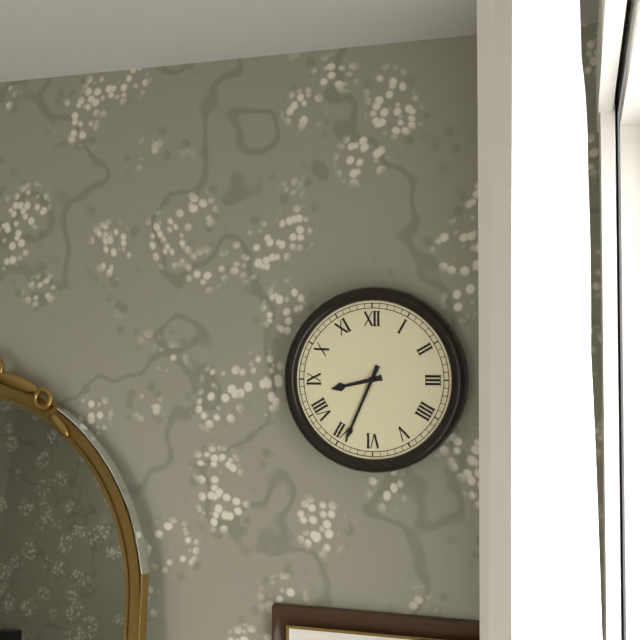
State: 8:34
